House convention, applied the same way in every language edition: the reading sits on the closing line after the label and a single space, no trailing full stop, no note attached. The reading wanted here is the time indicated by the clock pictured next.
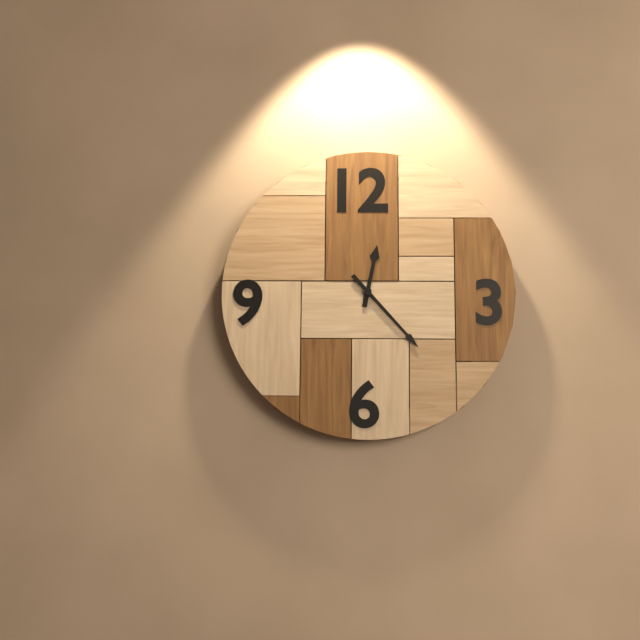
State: 12:23
